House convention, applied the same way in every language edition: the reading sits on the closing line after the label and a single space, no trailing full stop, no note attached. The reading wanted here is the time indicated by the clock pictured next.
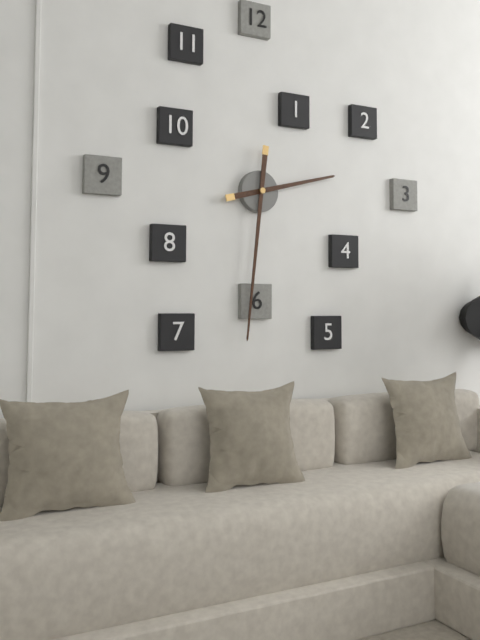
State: 2:31
